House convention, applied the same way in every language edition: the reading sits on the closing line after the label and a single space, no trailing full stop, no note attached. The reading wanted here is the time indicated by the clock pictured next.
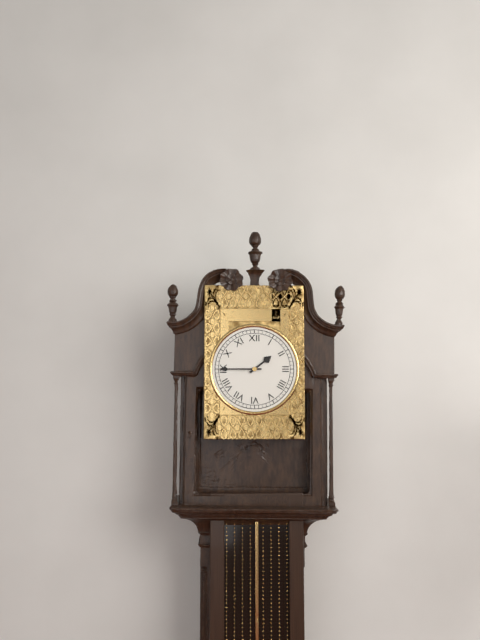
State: 1:45
